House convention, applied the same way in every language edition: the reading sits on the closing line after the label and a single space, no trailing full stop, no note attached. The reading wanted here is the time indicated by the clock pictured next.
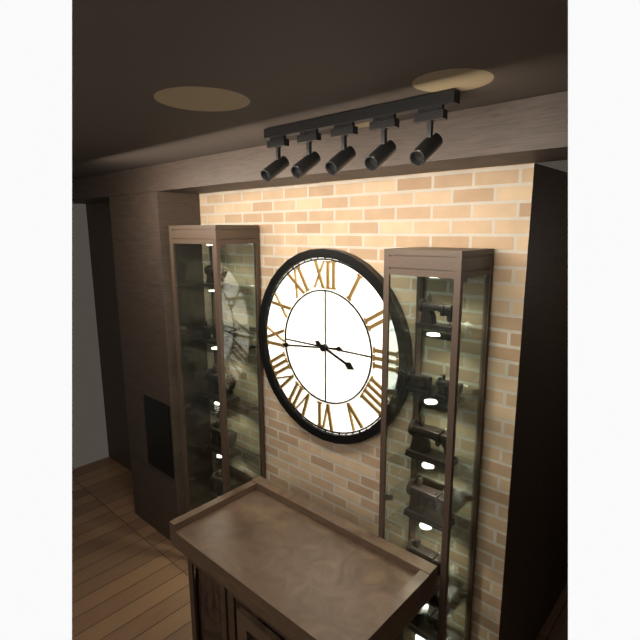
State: 3:44
